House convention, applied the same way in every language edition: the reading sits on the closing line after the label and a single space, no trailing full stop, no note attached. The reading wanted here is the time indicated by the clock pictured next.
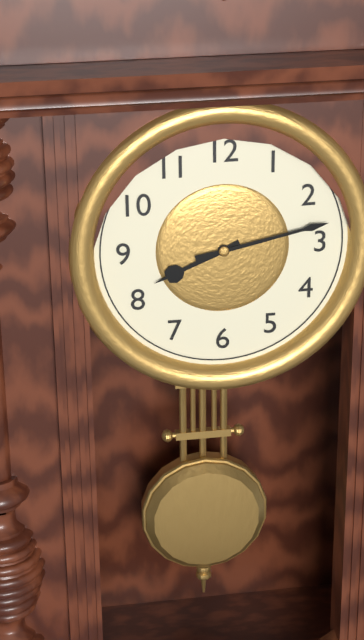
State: 8:13
